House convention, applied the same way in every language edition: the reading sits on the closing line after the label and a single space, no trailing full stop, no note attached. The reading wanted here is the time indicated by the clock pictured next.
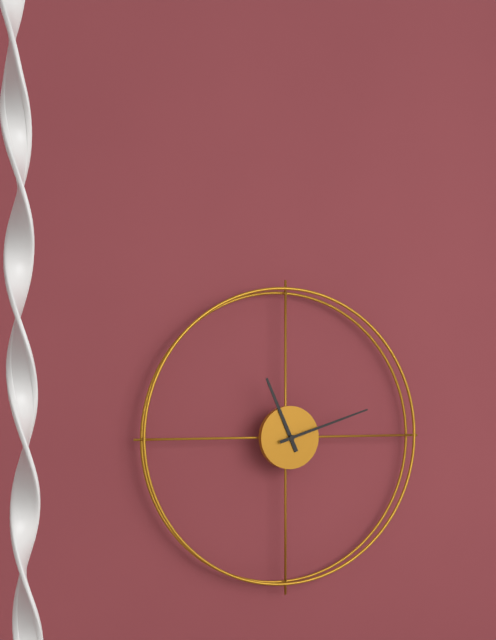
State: 11:12
